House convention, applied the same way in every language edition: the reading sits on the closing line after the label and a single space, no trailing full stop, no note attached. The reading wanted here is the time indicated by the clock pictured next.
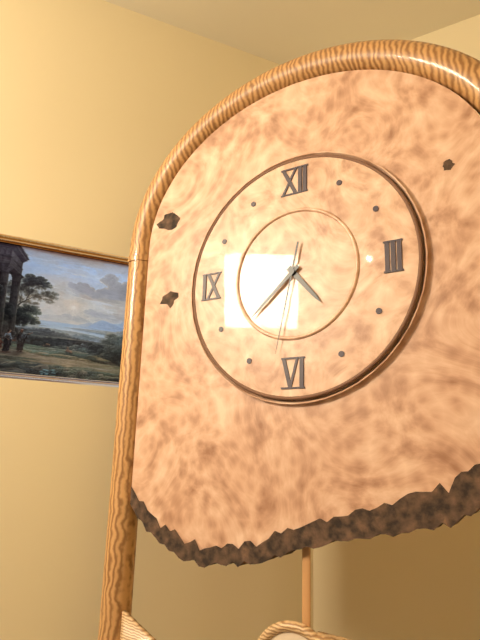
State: 4:38:32
